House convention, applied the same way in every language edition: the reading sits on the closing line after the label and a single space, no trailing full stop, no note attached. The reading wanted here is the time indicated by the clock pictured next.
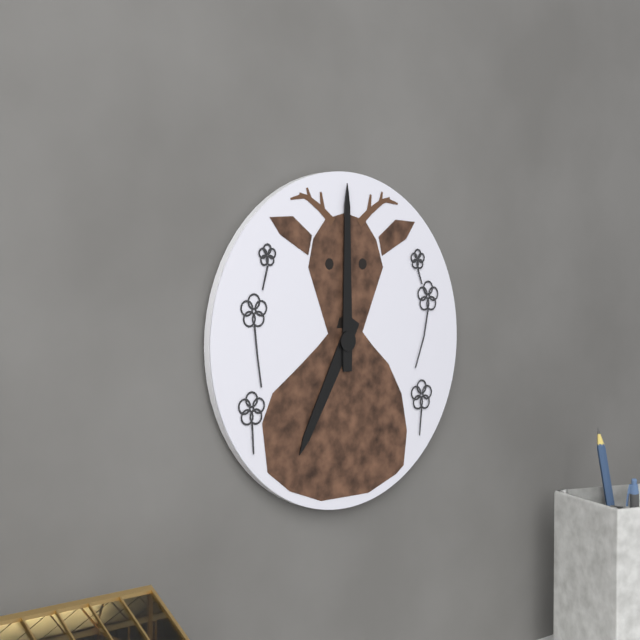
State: 7:00
